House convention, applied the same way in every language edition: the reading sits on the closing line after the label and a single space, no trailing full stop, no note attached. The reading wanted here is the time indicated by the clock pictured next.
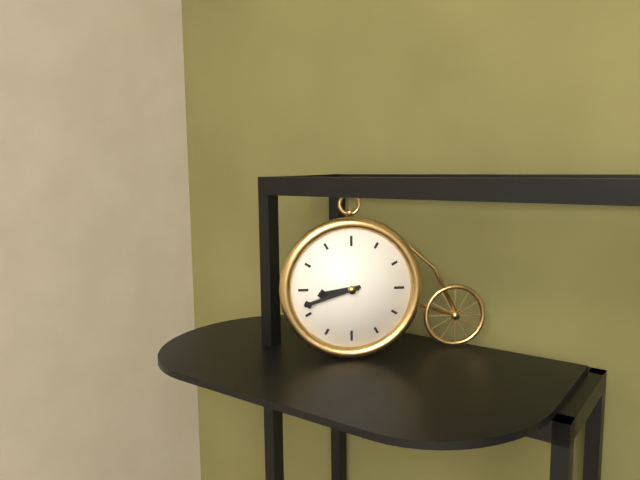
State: 8:42
